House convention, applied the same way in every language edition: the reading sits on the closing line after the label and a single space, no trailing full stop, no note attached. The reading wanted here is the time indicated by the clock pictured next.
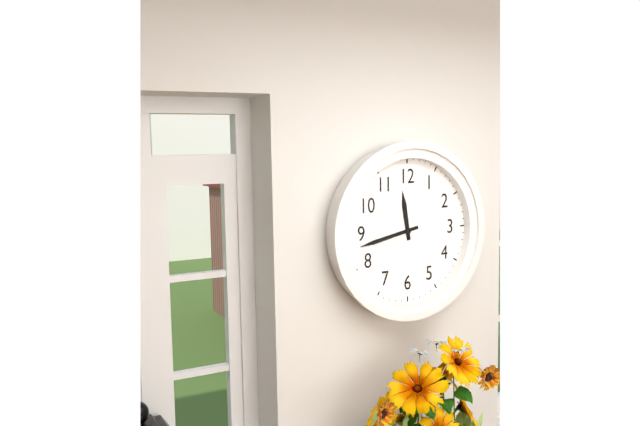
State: 11:43
